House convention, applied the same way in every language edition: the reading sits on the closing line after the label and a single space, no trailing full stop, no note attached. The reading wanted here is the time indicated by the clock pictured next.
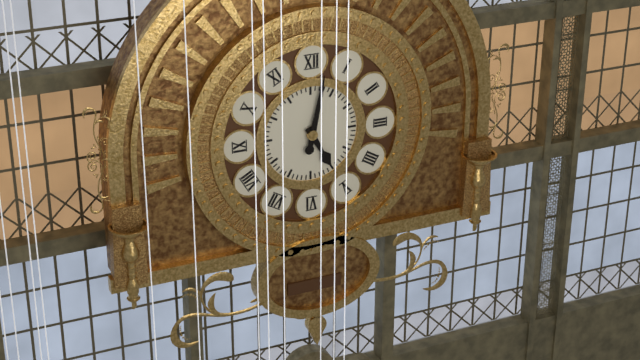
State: 5:02
